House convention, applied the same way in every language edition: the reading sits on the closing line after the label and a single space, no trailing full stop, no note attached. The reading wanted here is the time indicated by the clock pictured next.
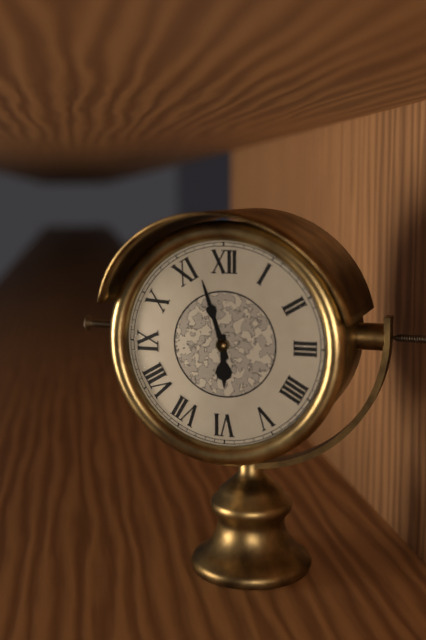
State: 5:57
